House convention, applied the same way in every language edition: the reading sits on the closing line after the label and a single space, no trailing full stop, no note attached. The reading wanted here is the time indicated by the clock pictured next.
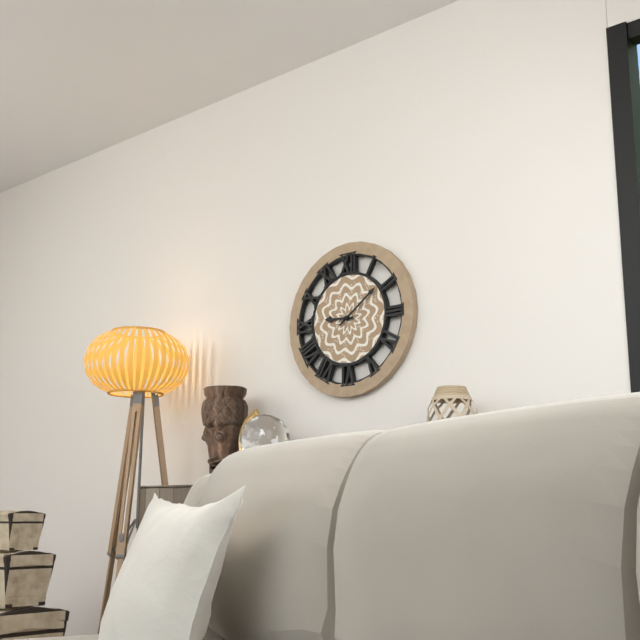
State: 9:09
